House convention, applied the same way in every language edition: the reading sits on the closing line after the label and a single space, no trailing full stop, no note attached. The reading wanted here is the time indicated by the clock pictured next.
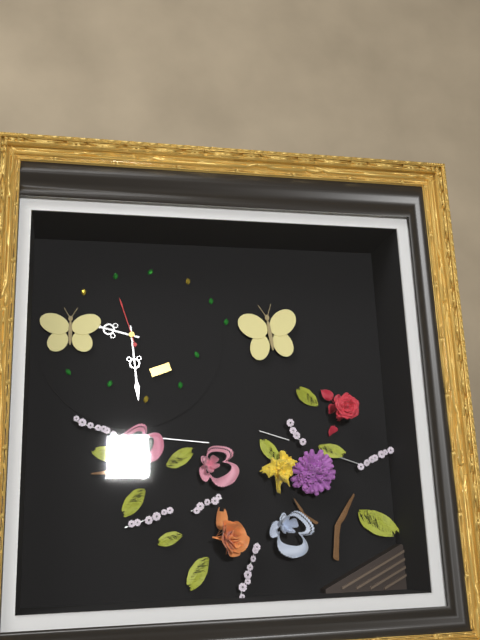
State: 9:29
